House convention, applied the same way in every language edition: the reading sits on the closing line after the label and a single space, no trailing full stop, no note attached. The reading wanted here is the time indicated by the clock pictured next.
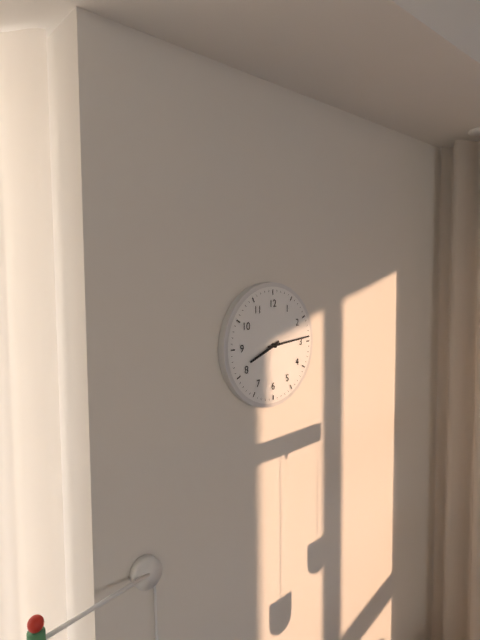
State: 8:14
